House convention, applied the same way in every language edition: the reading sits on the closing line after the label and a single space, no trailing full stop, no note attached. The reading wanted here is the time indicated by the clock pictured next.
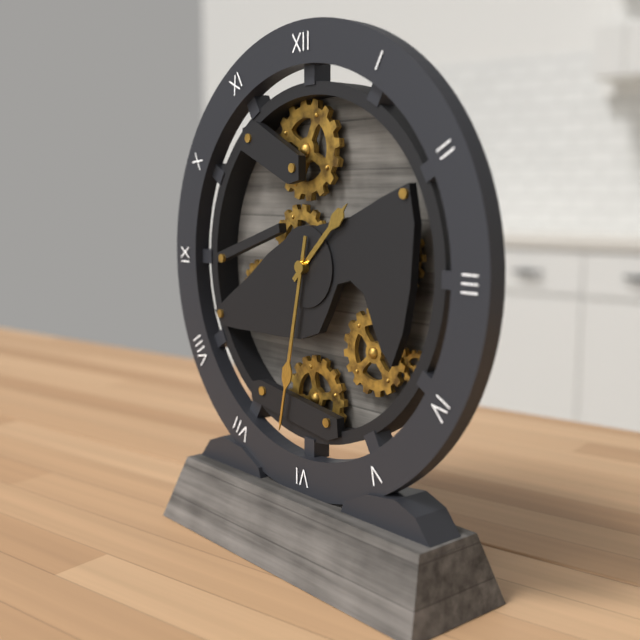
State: 1:32
